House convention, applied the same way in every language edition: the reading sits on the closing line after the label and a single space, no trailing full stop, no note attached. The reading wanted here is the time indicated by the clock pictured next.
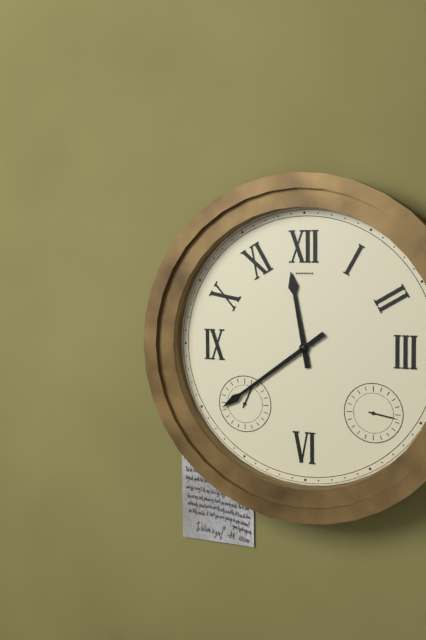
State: 11:39
